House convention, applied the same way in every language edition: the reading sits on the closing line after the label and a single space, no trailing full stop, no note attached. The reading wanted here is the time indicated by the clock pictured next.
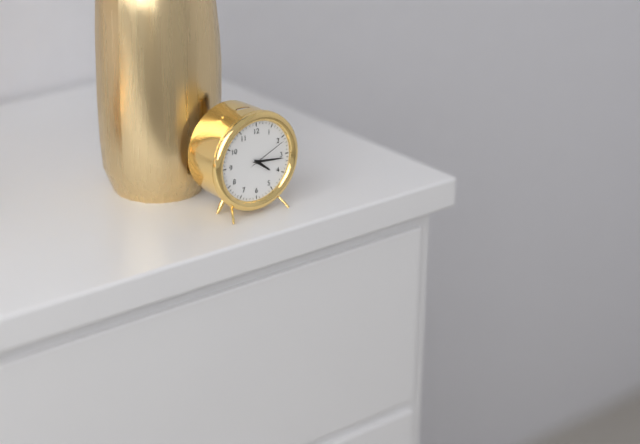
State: 4:16
